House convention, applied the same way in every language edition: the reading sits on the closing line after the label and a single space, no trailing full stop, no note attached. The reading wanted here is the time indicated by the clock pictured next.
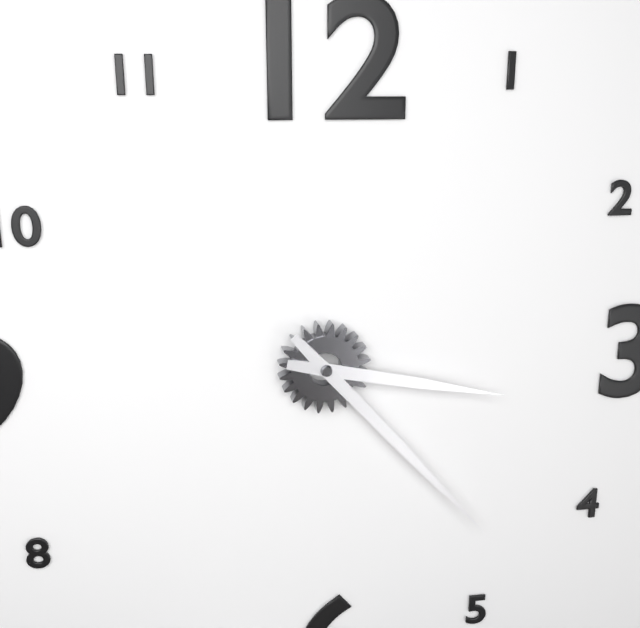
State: 3:23
